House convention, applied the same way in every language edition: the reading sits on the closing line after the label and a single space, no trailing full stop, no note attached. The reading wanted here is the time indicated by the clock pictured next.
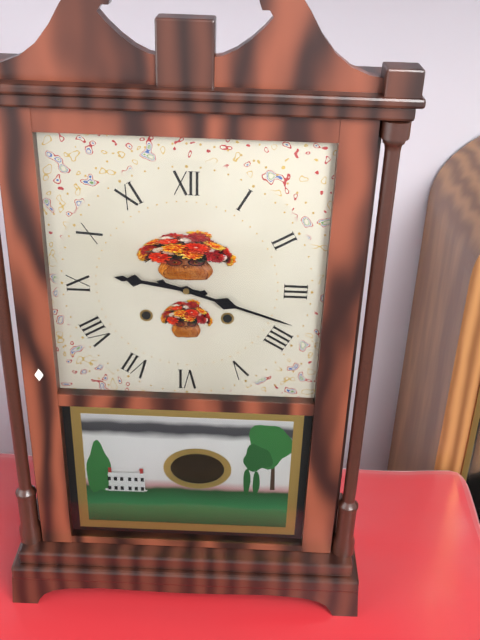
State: 9:18
